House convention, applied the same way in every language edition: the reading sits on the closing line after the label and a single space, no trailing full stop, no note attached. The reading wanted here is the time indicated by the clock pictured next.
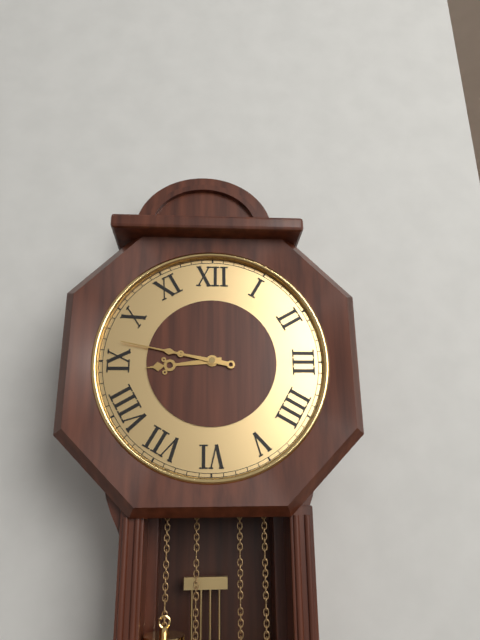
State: 8:47
